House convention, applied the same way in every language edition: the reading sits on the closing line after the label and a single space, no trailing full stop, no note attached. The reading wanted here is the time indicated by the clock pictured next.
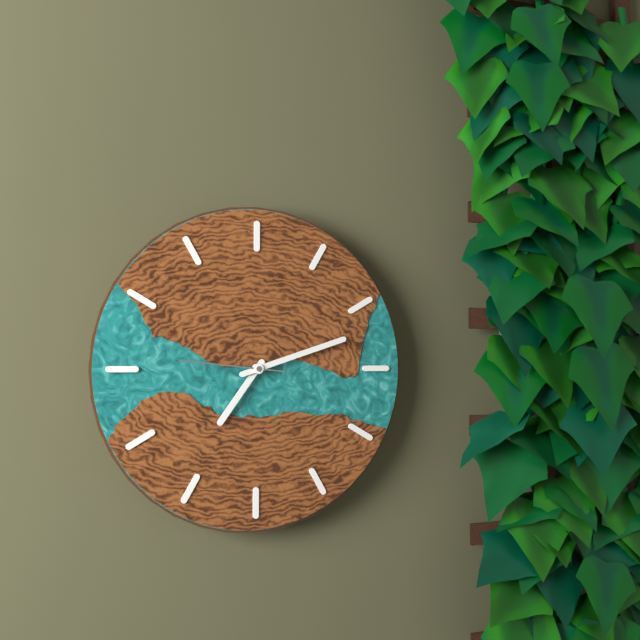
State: 7:12:46
